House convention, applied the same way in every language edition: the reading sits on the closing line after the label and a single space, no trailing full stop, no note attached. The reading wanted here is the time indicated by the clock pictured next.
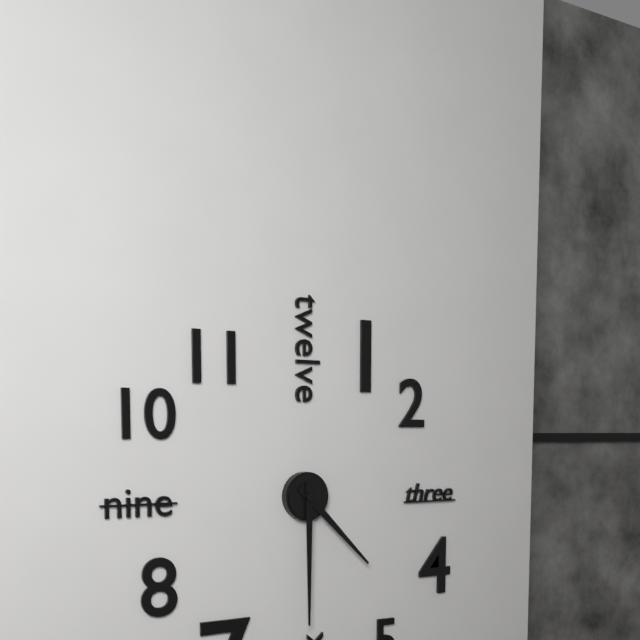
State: 4:30
